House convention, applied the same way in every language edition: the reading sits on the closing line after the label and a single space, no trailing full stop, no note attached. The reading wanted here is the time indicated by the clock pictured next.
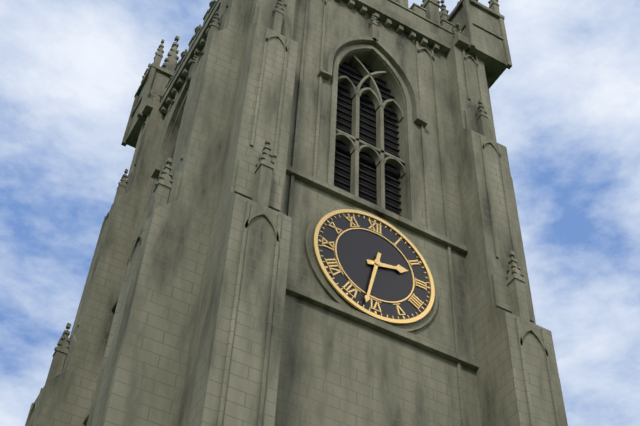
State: 2:32
